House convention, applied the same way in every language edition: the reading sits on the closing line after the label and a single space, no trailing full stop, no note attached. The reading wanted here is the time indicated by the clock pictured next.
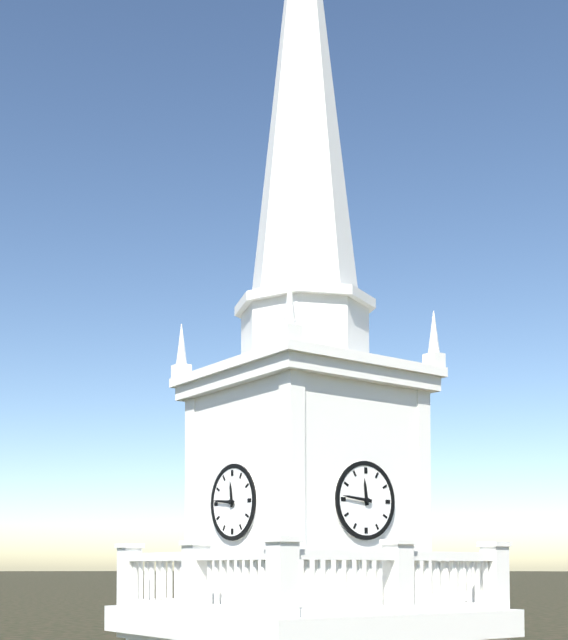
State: 11:46
